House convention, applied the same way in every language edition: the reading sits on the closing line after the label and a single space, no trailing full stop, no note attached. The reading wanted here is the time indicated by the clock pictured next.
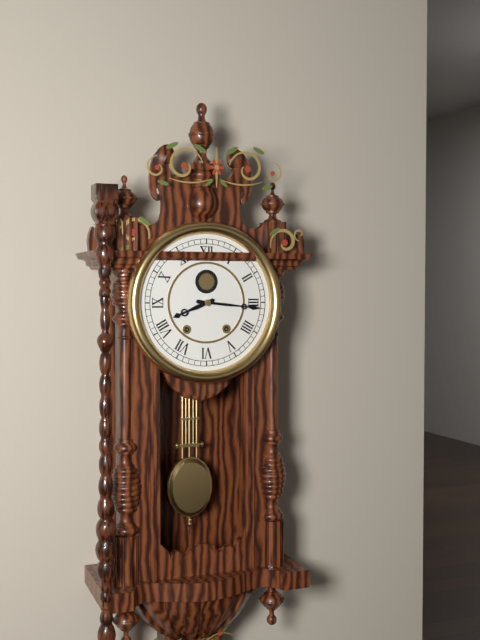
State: 8:16
